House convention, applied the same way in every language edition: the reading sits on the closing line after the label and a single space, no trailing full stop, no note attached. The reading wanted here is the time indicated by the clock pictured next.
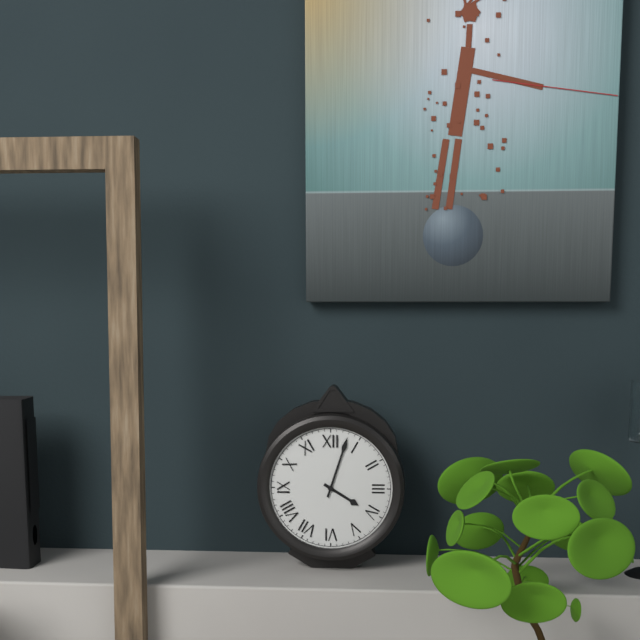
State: 4:03
